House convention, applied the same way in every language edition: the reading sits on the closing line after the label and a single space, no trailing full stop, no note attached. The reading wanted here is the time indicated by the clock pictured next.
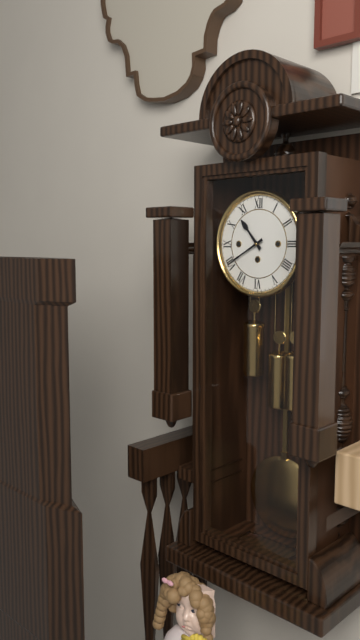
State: 10:40
